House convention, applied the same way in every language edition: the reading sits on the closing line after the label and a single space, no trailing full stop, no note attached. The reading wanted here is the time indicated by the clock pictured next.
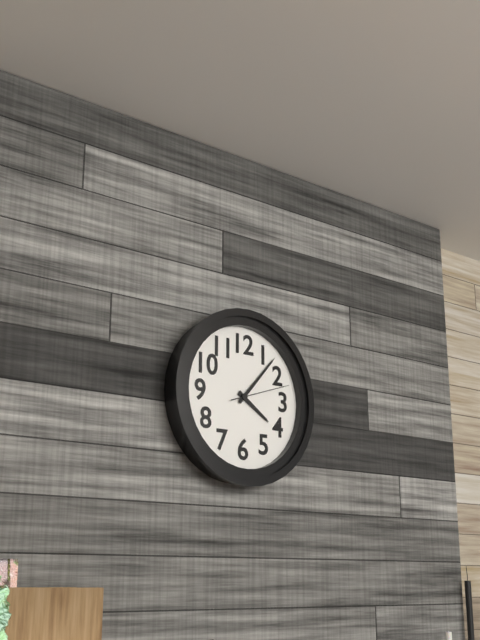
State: 4:07:12
